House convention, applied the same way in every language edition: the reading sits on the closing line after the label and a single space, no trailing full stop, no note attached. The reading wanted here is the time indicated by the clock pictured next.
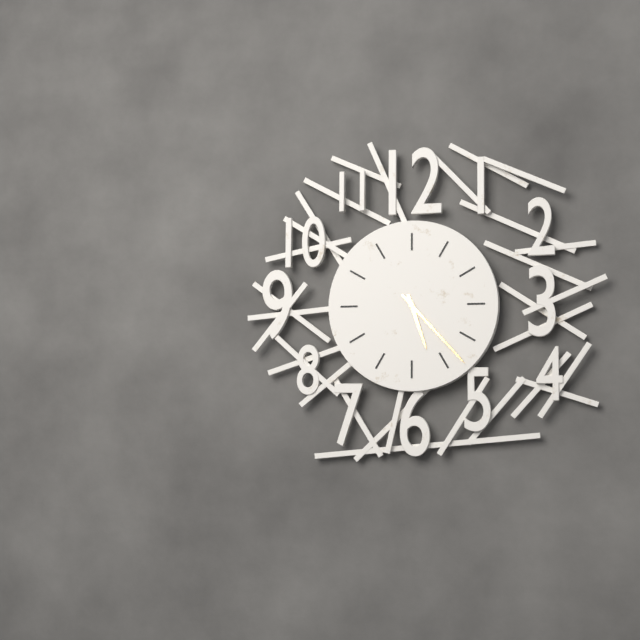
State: 5:23
